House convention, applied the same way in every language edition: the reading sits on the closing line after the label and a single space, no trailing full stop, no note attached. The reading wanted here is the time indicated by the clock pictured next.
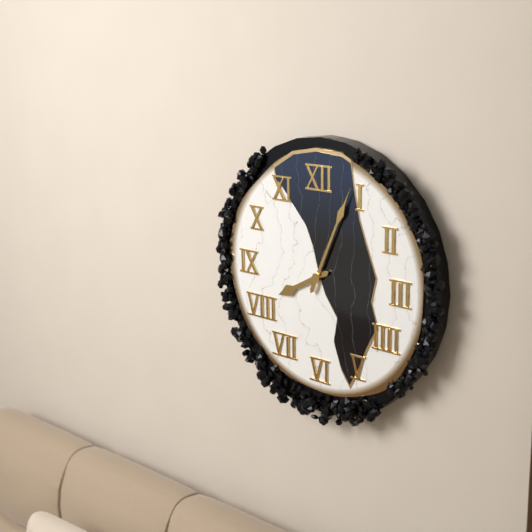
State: 8:04
